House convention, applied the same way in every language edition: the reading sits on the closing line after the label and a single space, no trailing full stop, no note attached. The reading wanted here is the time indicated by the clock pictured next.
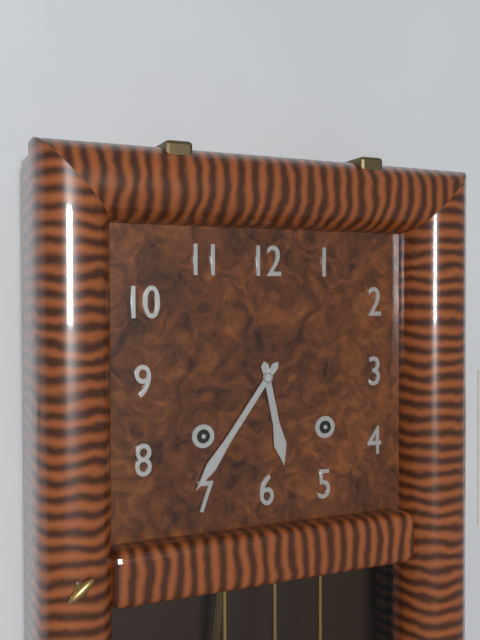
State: 5:36
